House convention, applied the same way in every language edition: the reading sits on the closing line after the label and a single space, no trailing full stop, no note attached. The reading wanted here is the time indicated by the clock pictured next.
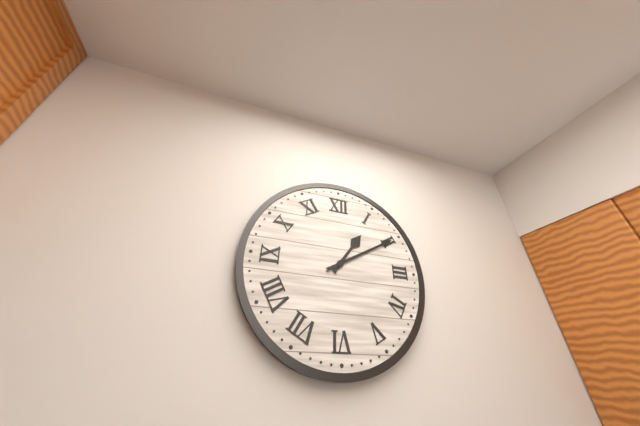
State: 1:10
